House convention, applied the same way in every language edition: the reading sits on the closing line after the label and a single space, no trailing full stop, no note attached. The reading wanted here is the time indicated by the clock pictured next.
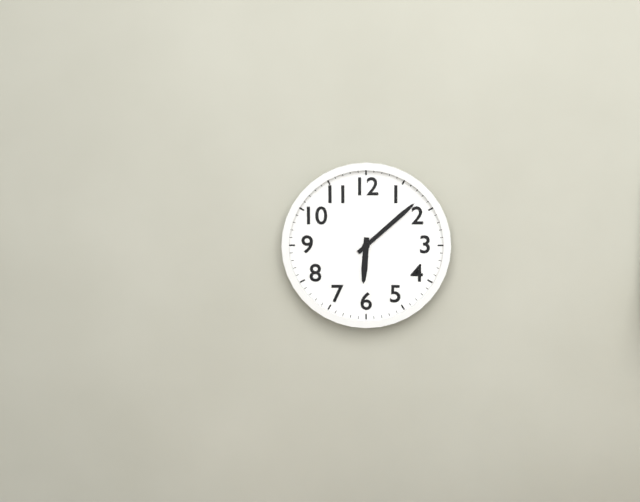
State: 6:08
